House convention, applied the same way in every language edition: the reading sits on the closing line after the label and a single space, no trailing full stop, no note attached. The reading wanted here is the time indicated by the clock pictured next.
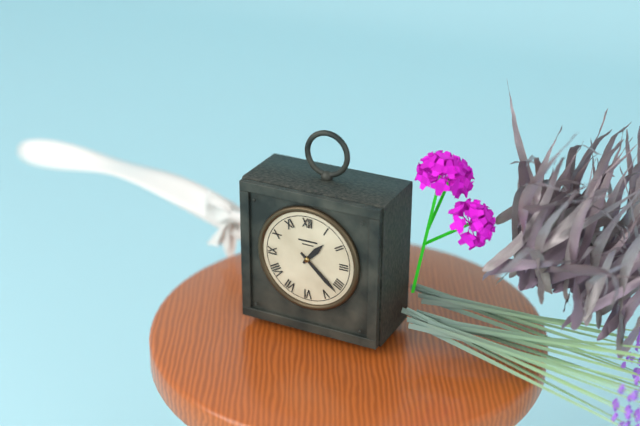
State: 1:22
